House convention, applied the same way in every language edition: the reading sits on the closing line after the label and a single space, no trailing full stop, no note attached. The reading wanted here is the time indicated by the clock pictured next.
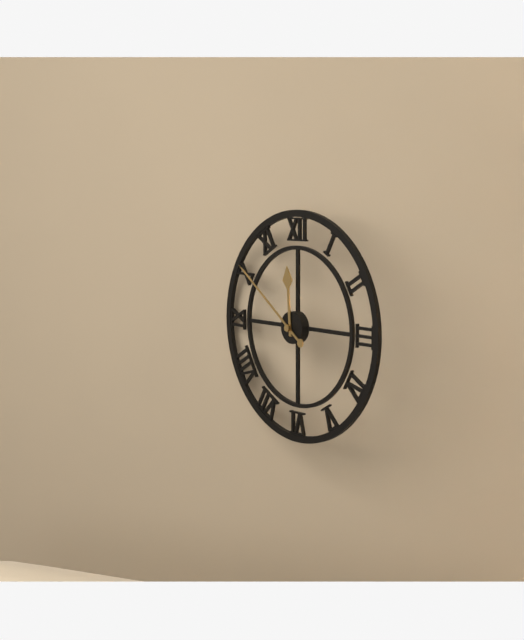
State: 11:51
